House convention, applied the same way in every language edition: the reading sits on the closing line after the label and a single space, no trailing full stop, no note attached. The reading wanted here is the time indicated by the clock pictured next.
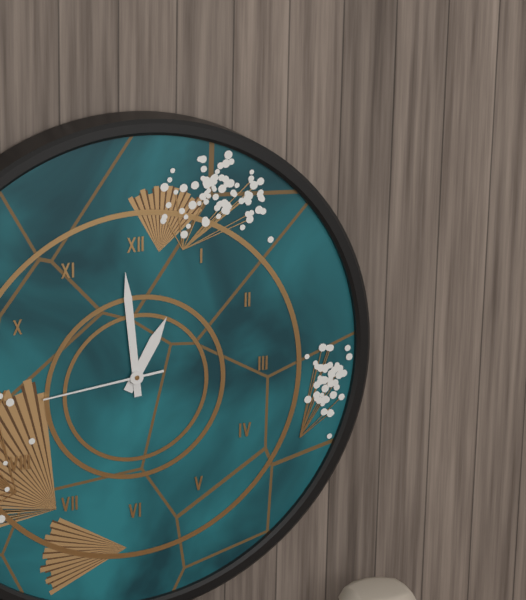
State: 12:59:44
